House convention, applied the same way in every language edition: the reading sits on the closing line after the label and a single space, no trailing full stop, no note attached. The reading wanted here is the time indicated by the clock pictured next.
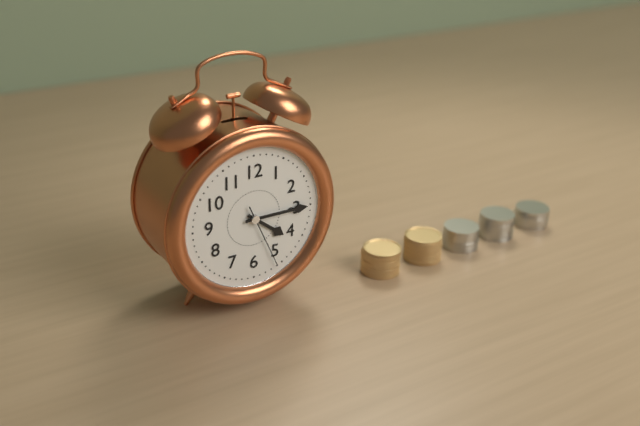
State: 4:15:26
